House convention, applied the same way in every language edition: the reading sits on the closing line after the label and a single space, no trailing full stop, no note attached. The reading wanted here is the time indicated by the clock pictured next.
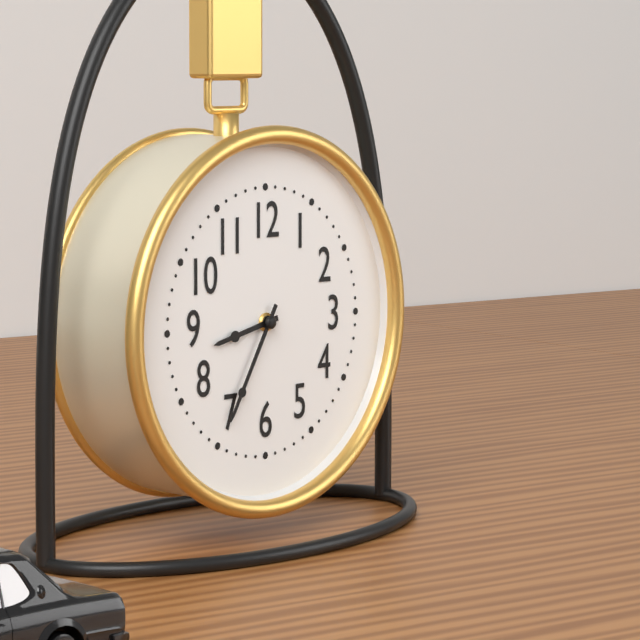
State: 8:35
